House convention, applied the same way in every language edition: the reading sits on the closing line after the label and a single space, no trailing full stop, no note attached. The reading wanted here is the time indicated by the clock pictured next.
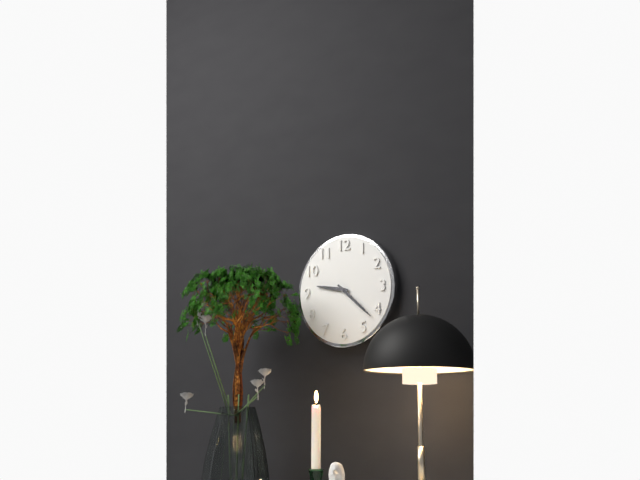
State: 9:22
